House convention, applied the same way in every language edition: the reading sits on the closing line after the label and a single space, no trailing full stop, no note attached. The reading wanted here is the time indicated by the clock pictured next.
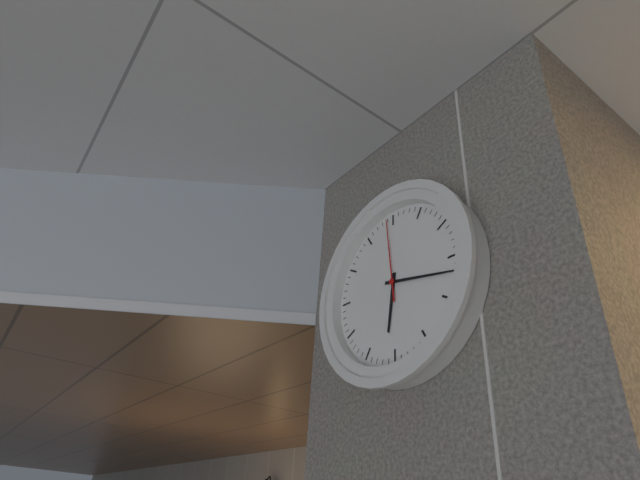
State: 6:17:59
